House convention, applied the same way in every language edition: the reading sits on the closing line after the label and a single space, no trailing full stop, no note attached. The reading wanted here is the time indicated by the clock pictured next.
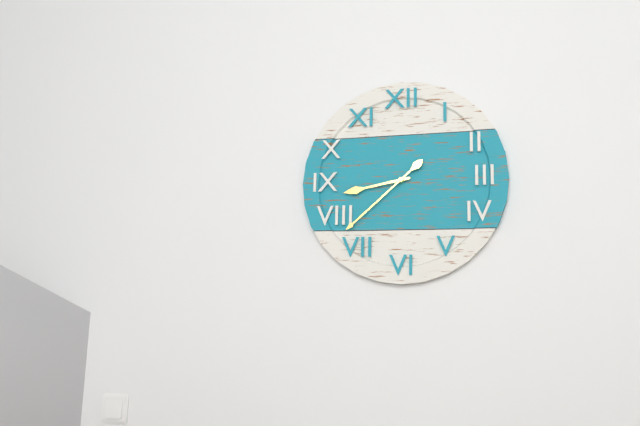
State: 8:38
